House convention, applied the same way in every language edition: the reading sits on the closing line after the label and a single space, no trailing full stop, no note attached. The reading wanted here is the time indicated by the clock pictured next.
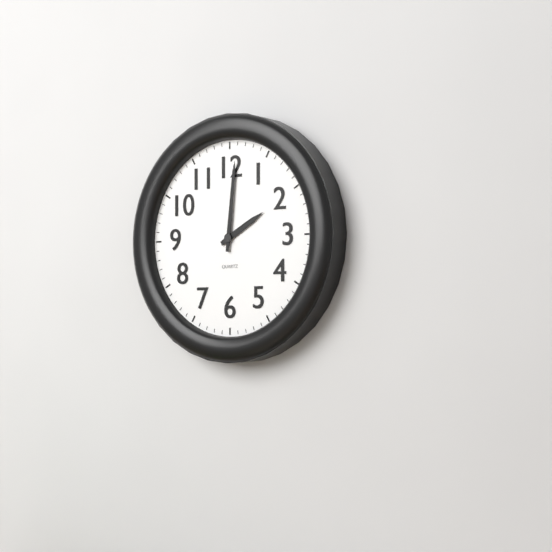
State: 2:01
